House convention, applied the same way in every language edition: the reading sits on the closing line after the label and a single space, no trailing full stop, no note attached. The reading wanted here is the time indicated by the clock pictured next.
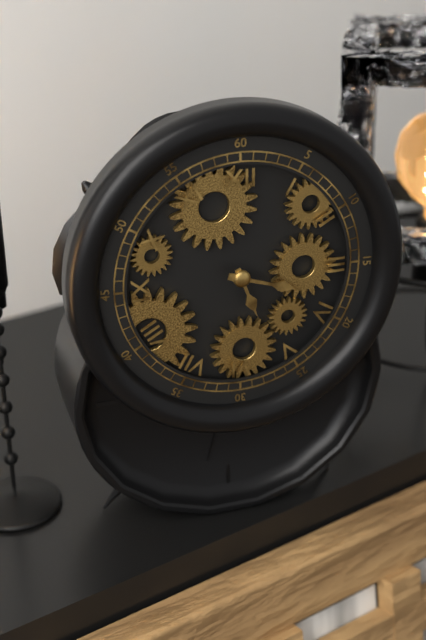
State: 5:18
